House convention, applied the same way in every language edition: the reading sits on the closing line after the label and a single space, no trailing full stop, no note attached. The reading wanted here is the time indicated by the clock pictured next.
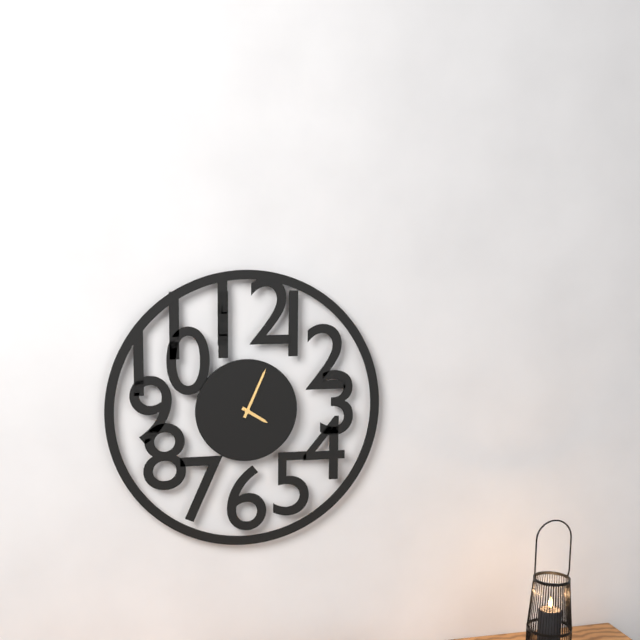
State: 4:04
